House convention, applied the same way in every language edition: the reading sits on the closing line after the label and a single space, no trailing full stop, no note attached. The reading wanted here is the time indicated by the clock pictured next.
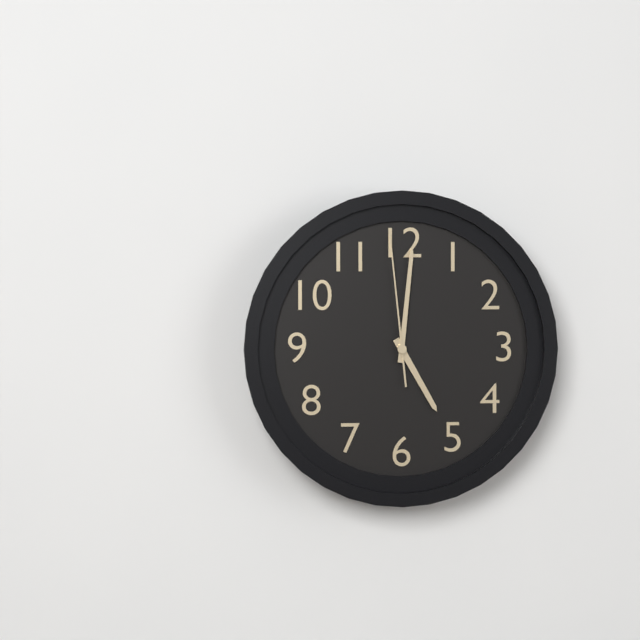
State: 5:01:59
